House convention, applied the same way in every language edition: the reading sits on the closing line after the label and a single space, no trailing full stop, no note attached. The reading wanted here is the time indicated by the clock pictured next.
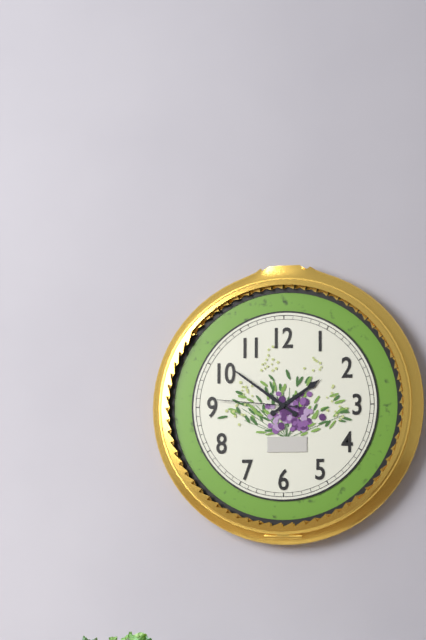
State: 1:51:46
